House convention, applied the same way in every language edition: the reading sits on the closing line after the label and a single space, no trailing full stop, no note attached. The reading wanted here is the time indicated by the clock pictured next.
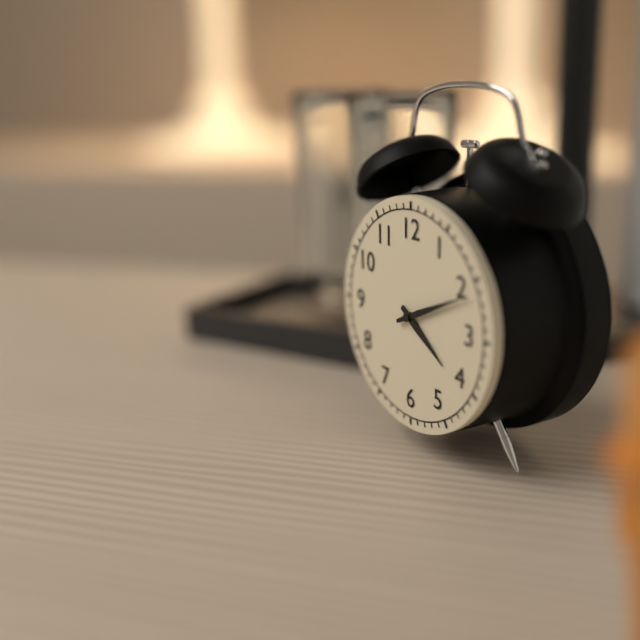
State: 4:11
